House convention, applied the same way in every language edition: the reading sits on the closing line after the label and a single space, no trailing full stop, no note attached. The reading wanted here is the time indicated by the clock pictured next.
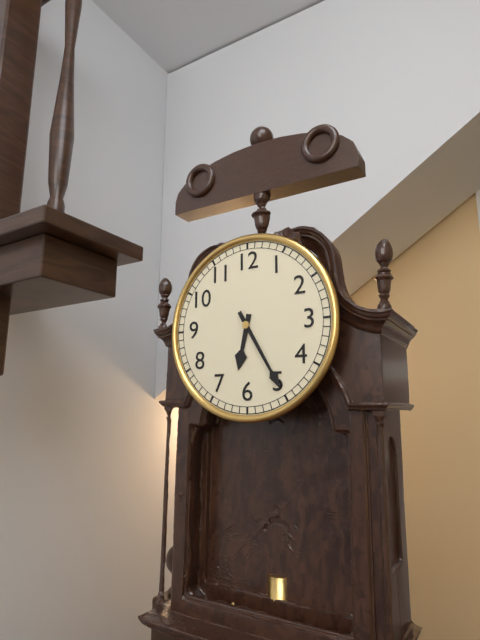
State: 6:25
